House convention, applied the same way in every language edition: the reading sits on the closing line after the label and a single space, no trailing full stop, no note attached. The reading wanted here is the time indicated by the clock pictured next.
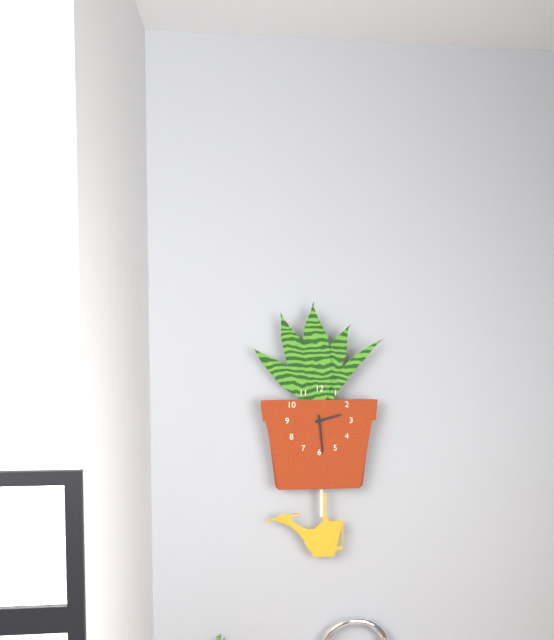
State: 2:29
